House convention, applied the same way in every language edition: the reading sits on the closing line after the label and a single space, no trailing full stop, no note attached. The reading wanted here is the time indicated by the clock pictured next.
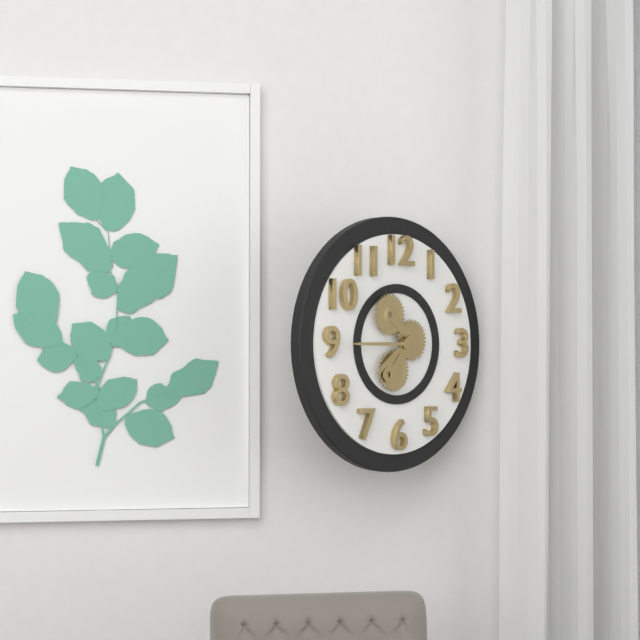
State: 7:45
